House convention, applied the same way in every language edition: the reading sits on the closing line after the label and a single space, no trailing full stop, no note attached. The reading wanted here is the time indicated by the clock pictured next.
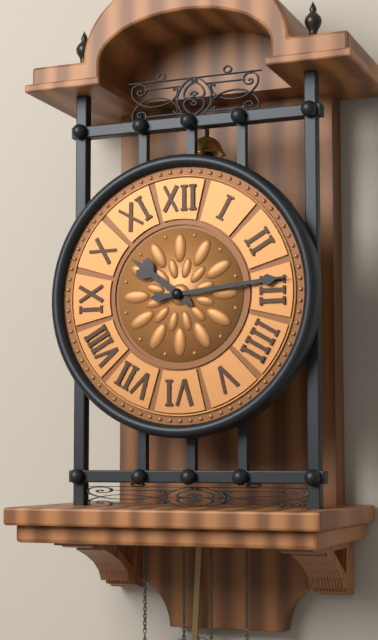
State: 10:14
